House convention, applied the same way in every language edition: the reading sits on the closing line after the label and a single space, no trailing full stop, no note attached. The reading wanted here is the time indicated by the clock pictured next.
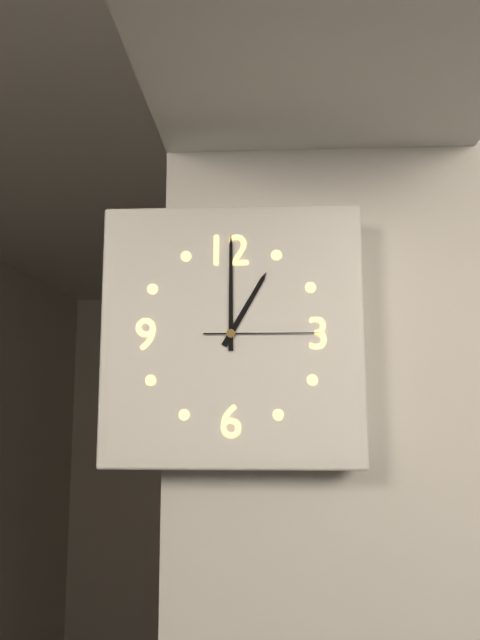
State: 1:00:15
